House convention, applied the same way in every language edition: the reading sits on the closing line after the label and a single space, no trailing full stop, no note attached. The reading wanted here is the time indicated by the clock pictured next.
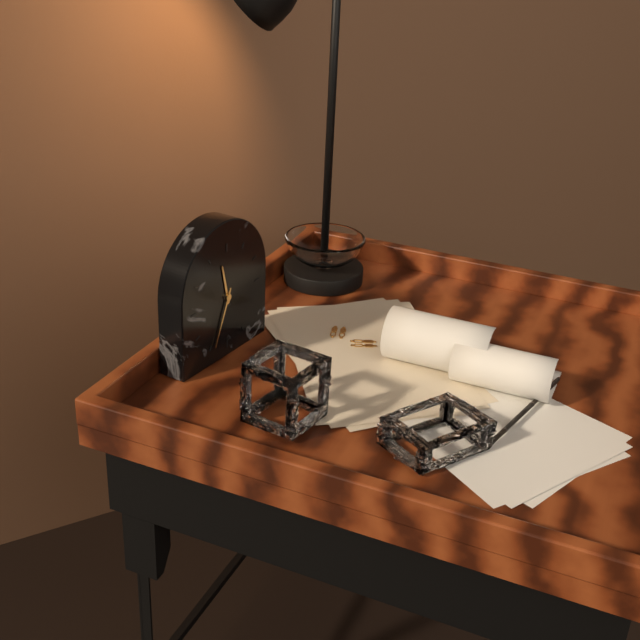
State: 11:34
